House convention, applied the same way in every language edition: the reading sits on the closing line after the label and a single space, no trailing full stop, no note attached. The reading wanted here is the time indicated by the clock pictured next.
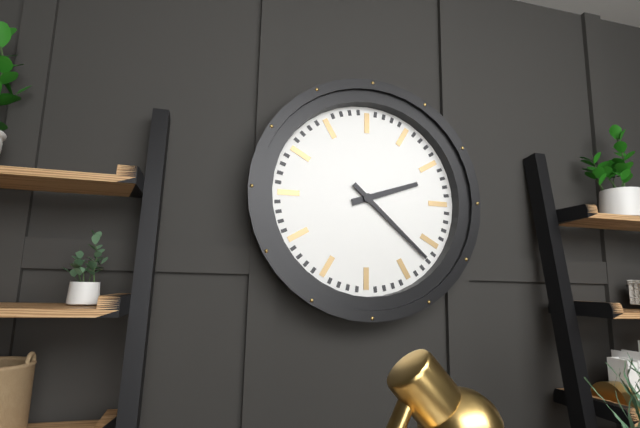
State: 2:22
